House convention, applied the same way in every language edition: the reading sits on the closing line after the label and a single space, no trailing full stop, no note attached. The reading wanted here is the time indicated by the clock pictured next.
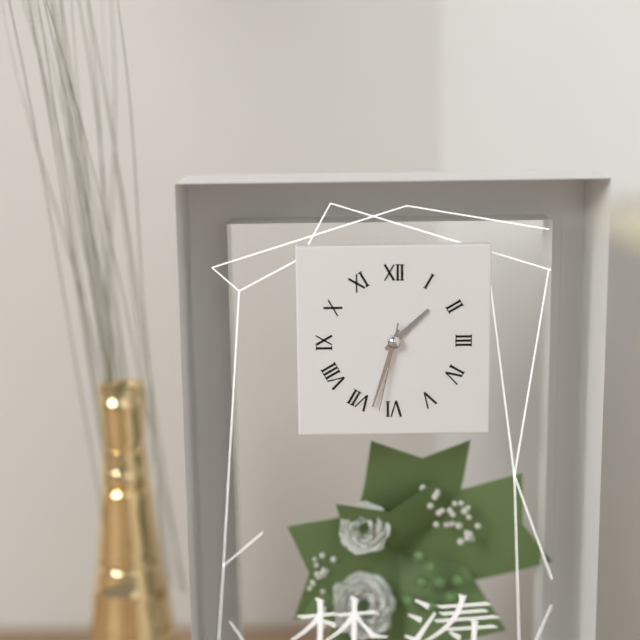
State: 1:33:32
